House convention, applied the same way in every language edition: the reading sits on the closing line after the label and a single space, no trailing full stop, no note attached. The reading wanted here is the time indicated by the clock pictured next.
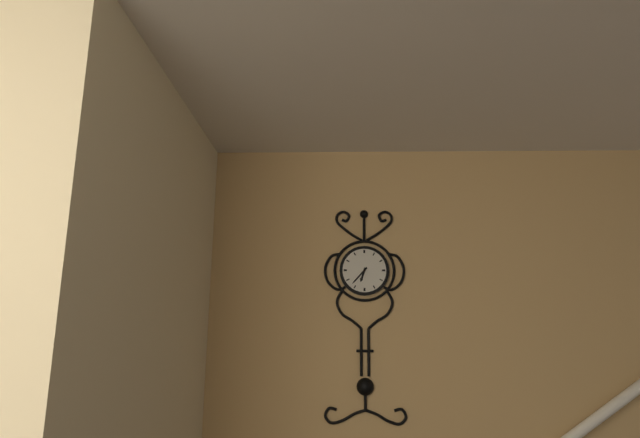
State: 6:37
